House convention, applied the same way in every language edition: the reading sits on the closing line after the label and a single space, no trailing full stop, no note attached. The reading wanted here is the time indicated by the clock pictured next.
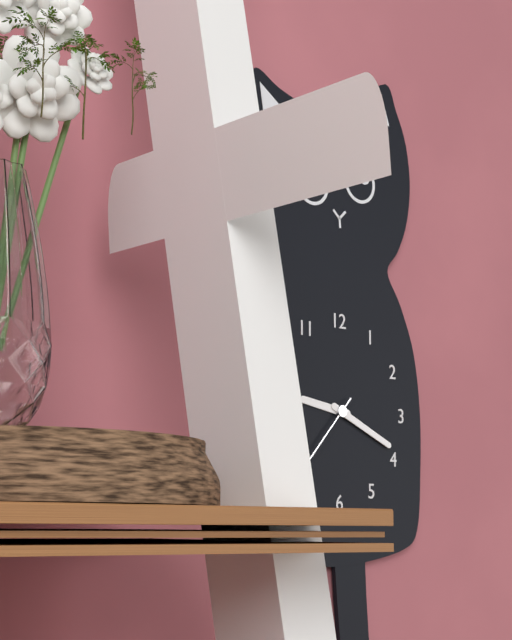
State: 9:19:37
